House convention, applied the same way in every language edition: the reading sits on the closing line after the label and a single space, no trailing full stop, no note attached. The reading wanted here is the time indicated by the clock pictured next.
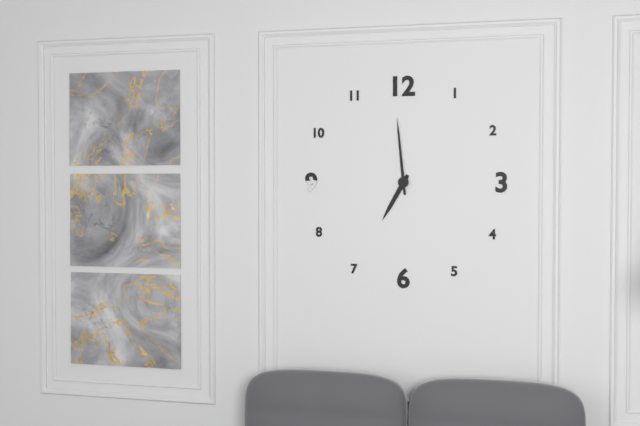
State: 6:59
